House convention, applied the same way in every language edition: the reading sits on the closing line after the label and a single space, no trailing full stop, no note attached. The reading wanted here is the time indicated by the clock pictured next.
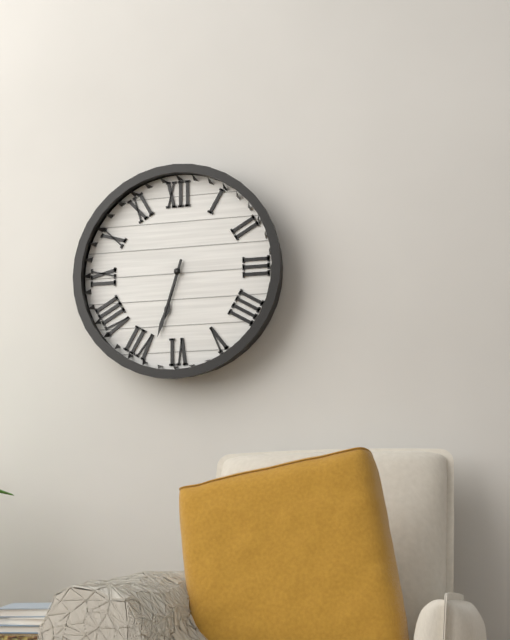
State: 6:33
